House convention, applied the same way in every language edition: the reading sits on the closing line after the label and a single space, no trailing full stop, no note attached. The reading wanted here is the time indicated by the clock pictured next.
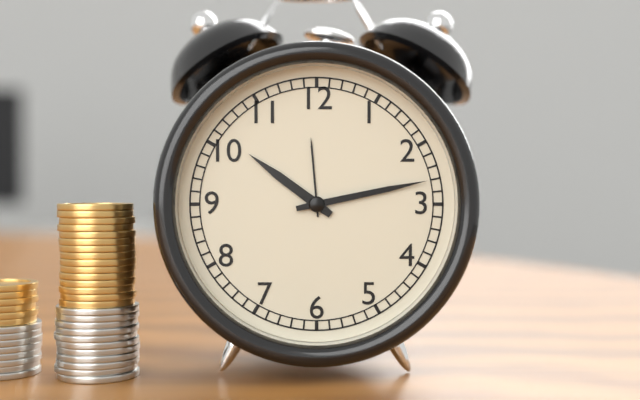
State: 10:13
